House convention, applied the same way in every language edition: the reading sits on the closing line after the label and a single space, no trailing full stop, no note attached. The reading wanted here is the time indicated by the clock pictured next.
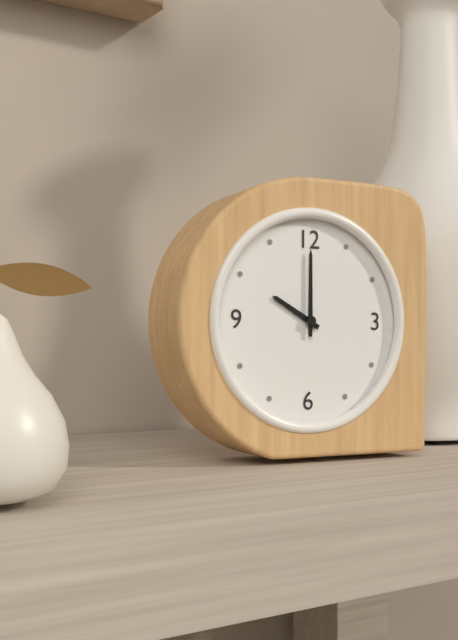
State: 10:00
